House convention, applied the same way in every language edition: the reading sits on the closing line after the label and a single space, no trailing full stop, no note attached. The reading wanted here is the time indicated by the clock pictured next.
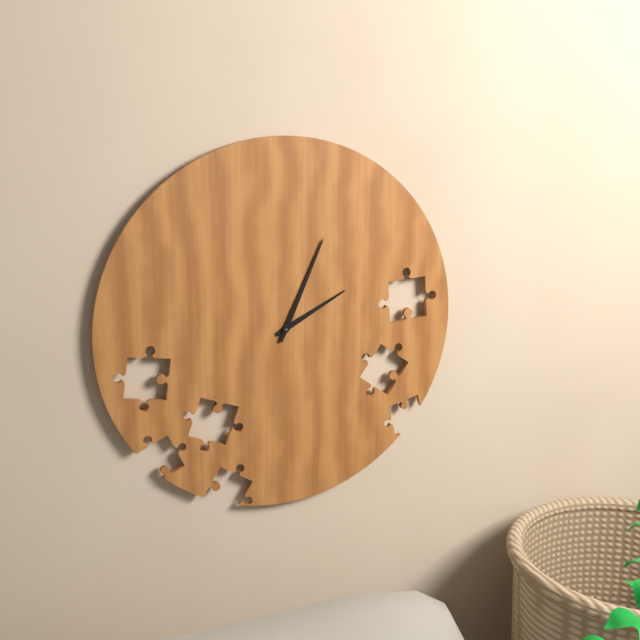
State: 2:04
